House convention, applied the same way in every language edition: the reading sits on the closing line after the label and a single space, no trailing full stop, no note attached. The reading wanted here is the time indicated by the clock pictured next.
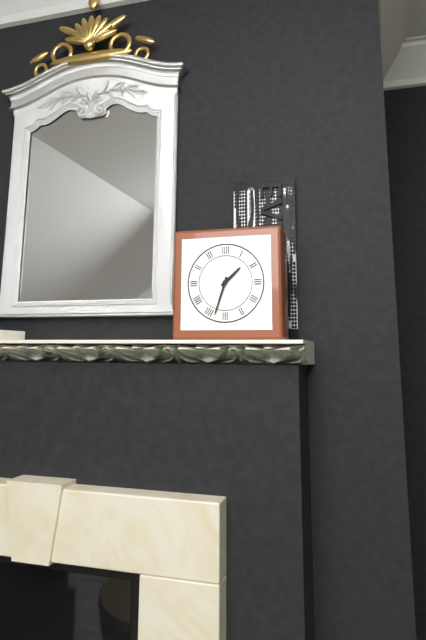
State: 1:33
